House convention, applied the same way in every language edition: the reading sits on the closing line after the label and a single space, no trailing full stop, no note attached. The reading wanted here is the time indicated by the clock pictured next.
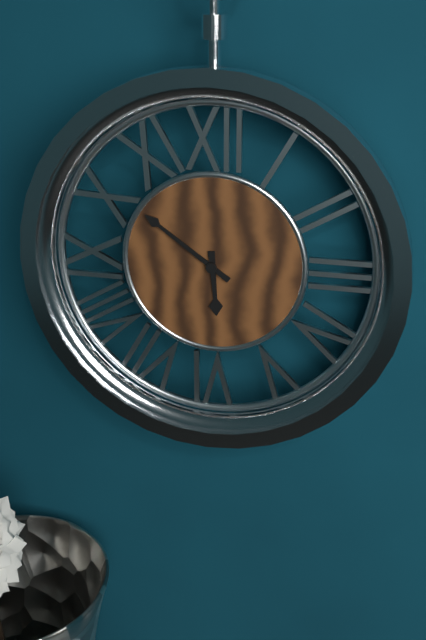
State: 5:51
